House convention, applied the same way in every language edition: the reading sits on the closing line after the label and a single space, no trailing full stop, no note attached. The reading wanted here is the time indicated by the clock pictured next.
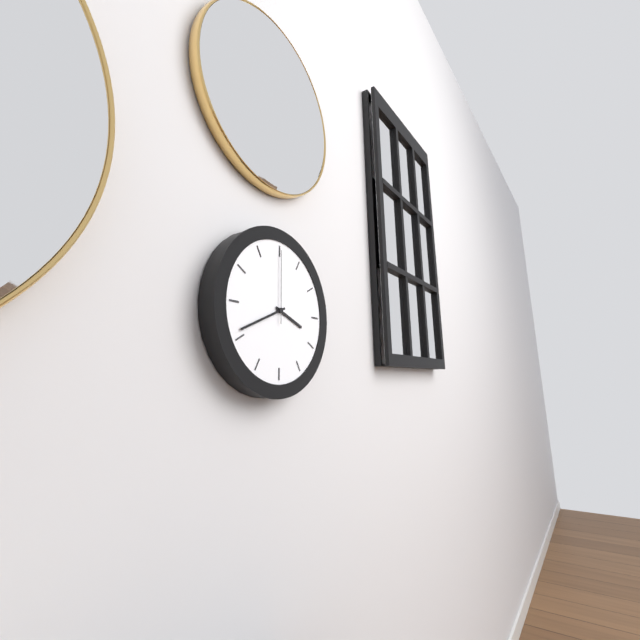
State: 3:41:00
